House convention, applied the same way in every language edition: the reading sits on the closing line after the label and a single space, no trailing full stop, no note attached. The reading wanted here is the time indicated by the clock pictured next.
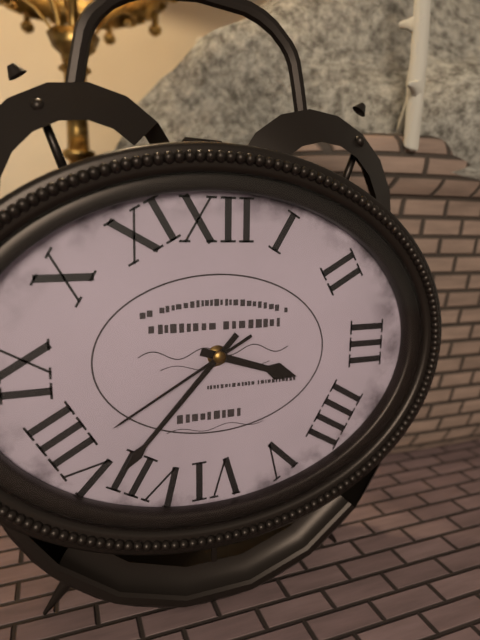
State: 3:37:40
